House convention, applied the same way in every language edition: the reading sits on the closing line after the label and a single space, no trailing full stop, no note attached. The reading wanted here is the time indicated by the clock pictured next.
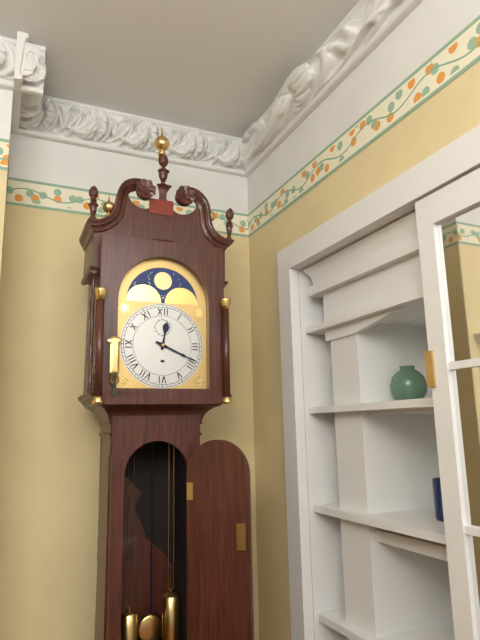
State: 12:19
